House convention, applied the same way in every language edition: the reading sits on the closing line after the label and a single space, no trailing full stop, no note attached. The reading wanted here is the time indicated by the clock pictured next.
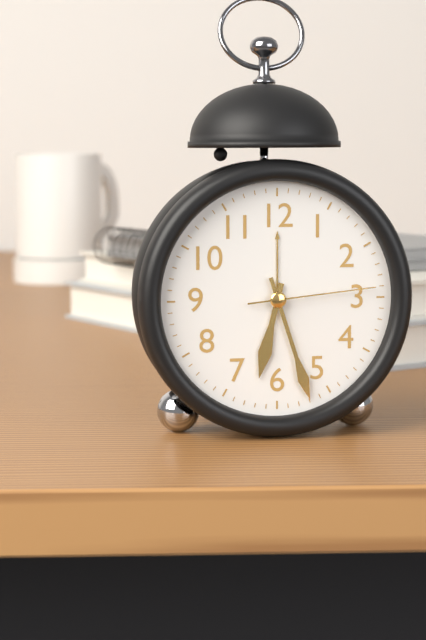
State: 6:27:14
